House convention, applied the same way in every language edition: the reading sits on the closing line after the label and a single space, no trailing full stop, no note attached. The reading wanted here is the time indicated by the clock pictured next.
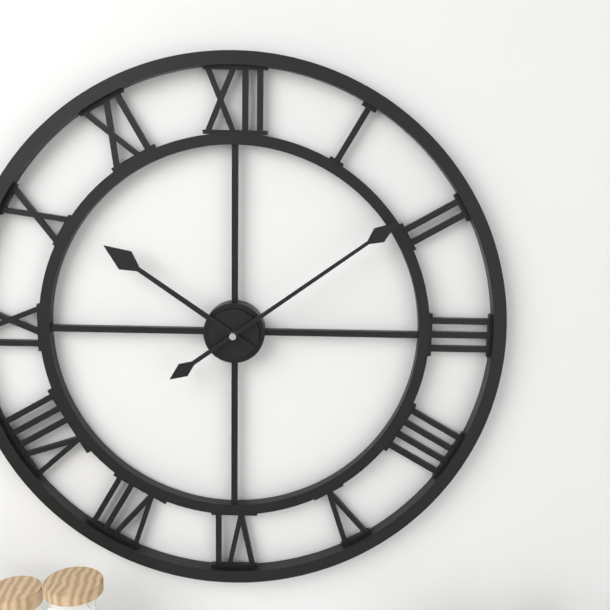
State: 10:09
